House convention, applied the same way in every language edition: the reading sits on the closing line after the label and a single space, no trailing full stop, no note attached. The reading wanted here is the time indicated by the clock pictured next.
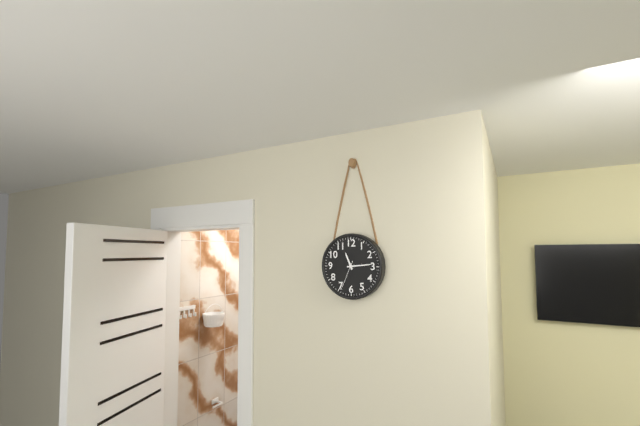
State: 11:14
